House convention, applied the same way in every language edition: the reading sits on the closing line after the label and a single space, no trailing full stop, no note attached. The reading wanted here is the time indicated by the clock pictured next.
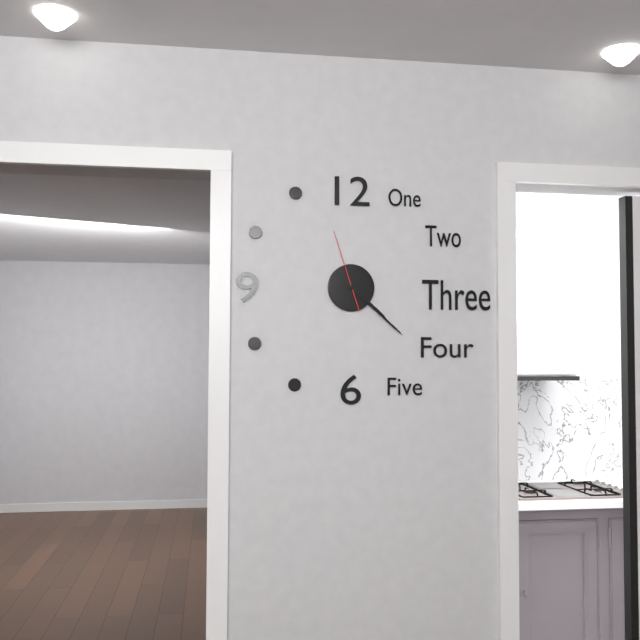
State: 4:22:57
